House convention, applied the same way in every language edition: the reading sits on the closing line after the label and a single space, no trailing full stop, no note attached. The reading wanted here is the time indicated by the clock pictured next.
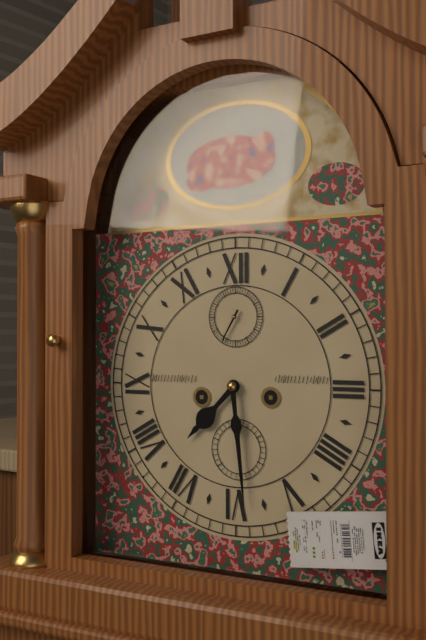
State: 7:29
